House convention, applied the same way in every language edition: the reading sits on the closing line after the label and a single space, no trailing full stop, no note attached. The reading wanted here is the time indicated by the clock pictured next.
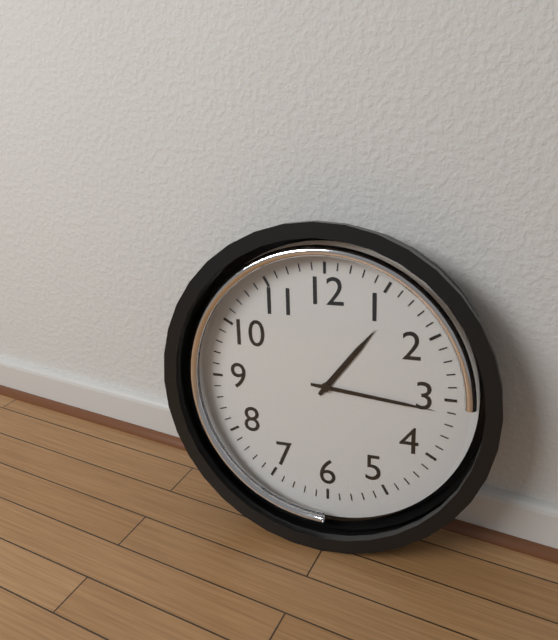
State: 1:16
